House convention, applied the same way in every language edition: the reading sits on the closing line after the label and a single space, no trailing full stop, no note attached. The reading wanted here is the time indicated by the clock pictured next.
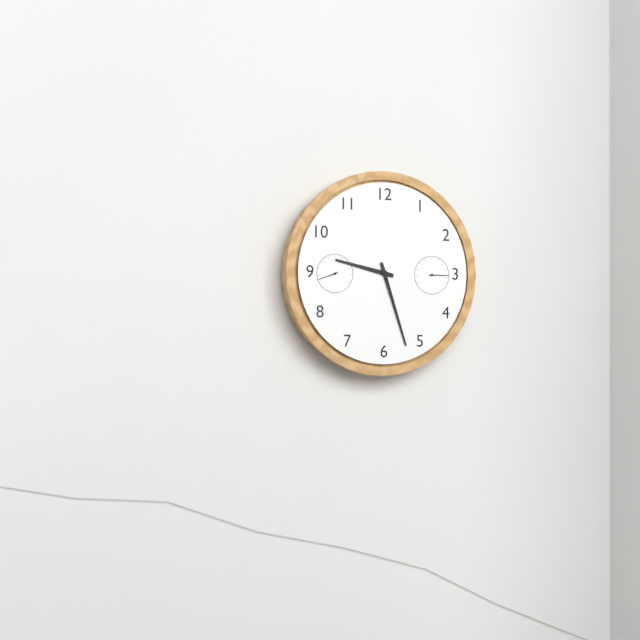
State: 9:27
